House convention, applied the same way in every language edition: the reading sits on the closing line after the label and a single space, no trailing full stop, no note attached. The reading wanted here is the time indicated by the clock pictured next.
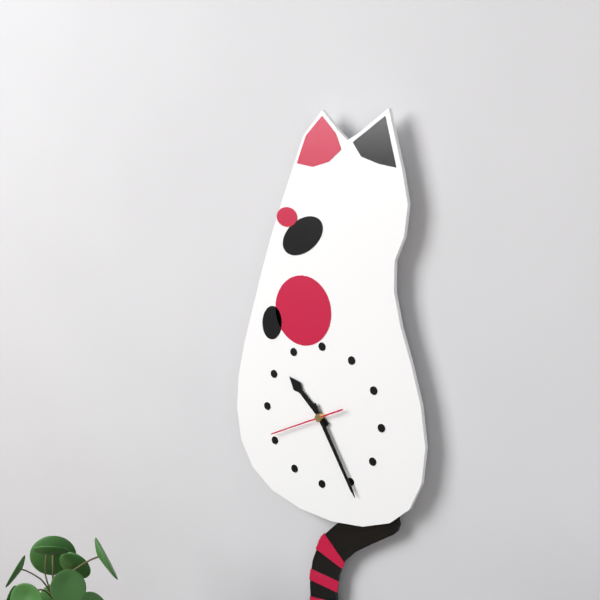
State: 10:25:41
